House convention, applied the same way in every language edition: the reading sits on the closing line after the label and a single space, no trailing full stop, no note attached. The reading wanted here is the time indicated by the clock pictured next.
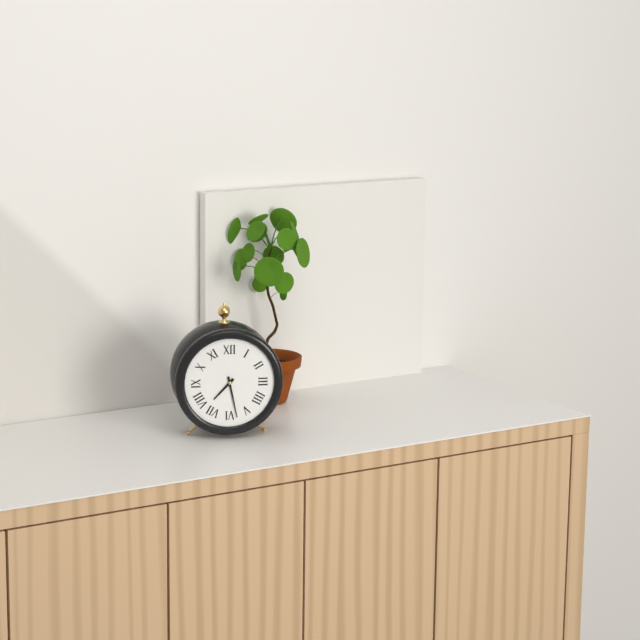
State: 7:28
